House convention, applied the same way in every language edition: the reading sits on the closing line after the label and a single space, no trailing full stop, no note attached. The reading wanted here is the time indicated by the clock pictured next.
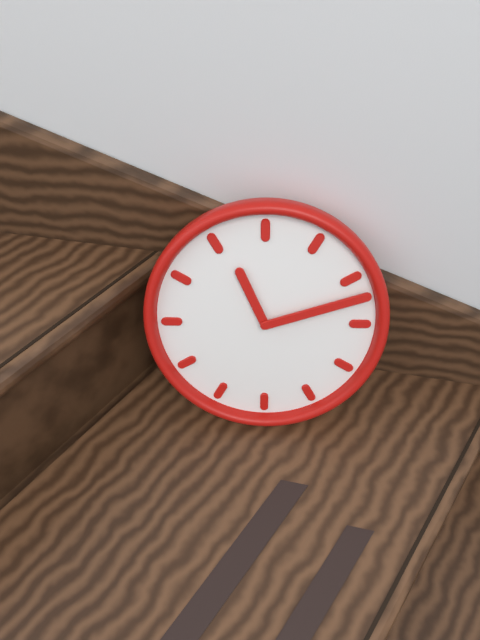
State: 11:12
